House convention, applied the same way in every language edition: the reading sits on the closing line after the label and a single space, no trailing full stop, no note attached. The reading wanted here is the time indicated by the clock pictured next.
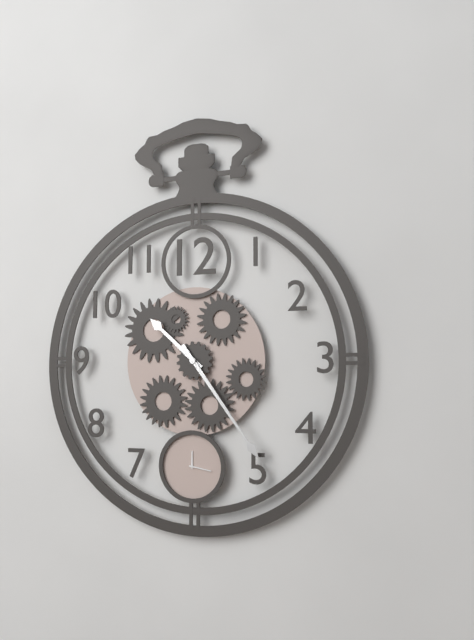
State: 10:24
